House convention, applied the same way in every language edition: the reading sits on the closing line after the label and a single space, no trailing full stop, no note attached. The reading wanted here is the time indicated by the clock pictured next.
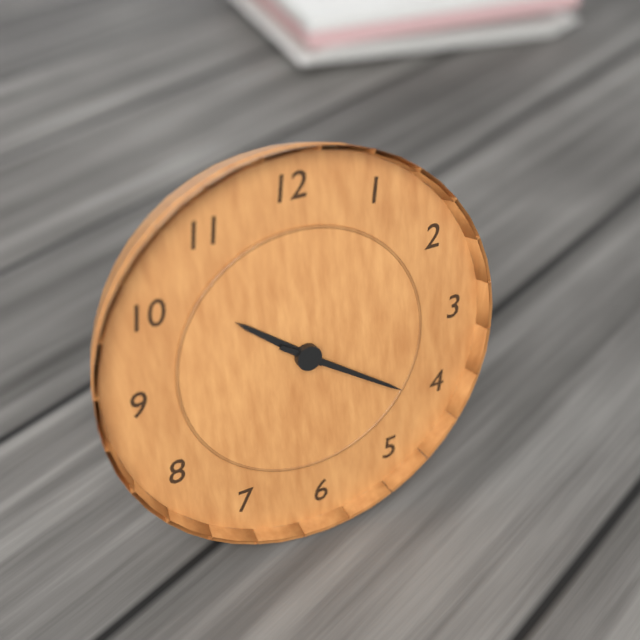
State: 10:21
